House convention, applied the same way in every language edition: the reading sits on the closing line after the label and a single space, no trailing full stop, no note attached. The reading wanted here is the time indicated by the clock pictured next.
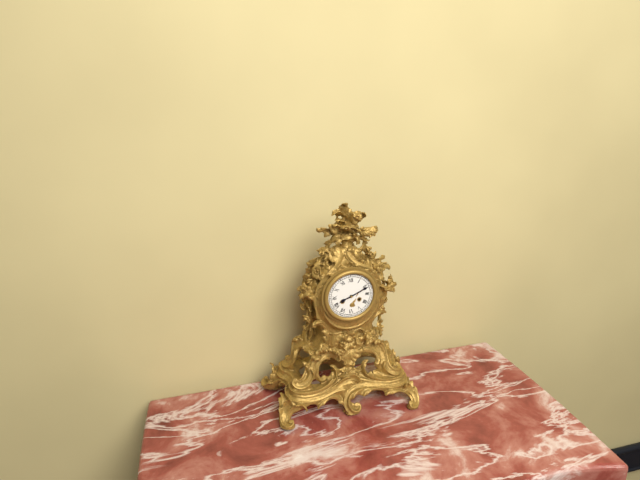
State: 8:11
